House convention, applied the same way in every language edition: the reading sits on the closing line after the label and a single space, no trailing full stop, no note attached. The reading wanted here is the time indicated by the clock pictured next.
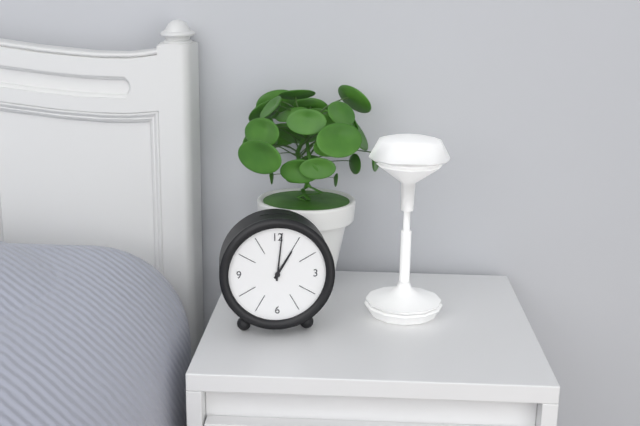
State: 1:01
